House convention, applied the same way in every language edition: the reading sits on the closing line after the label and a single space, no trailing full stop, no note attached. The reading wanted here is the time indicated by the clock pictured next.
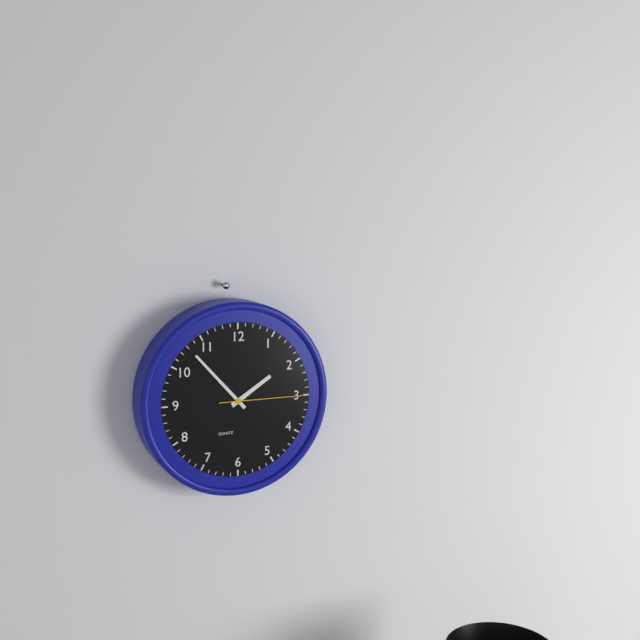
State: 1:53:15
